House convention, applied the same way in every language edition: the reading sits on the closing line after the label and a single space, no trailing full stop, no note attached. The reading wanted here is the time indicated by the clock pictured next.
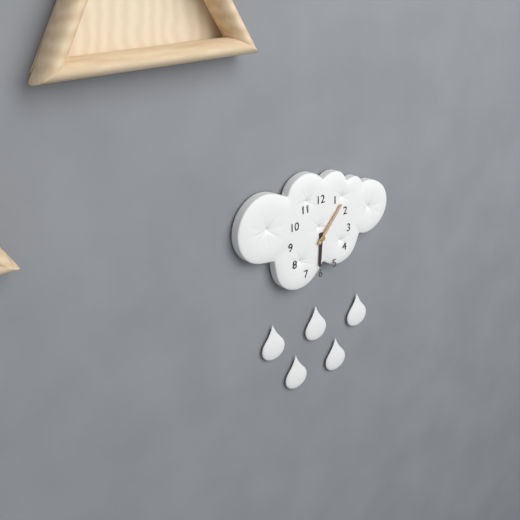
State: 6:07
